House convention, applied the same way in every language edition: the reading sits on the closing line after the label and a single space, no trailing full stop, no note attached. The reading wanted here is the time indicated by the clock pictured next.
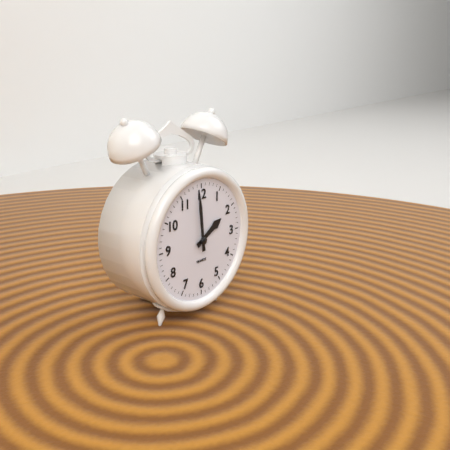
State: 1:59
